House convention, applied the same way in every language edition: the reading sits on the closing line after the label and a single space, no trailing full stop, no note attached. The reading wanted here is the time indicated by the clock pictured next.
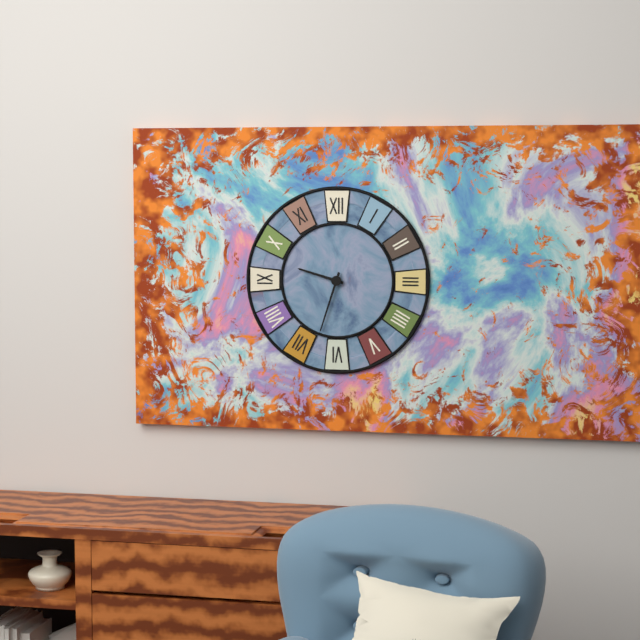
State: 9:33
